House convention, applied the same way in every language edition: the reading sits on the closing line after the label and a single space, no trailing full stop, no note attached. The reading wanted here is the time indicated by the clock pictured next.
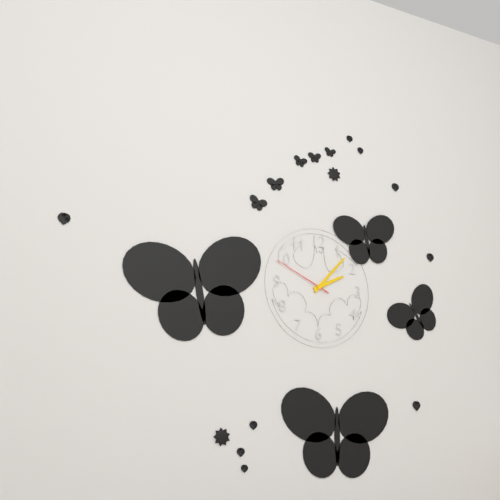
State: 2:07:49
